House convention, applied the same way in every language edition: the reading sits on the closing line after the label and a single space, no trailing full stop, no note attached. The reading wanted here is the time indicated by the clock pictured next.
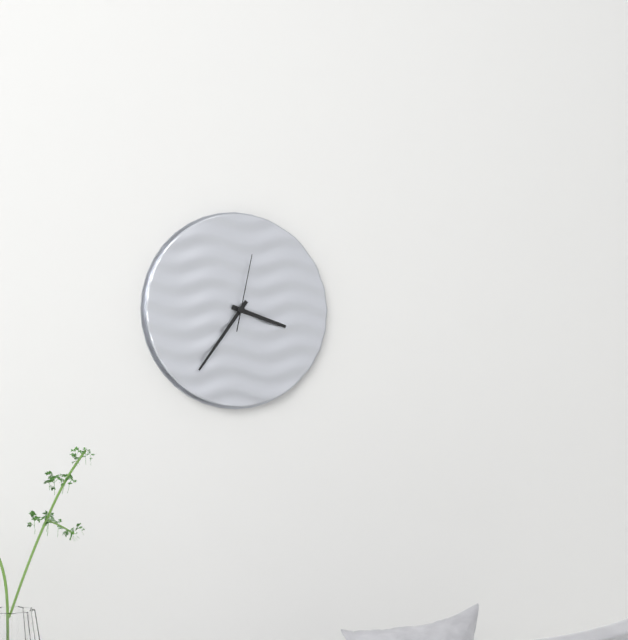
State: 3:36:02
